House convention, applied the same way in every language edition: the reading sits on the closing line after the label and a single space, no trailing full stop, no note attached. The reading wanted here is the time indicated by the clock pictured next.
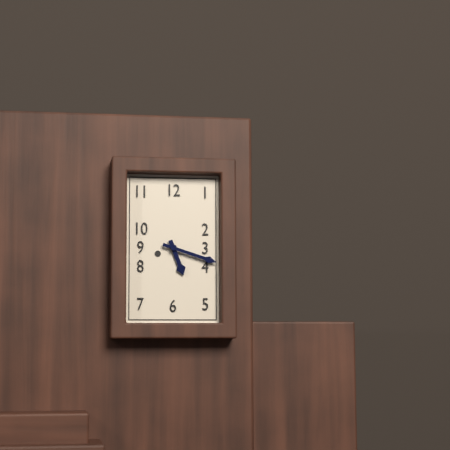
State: 5:18
